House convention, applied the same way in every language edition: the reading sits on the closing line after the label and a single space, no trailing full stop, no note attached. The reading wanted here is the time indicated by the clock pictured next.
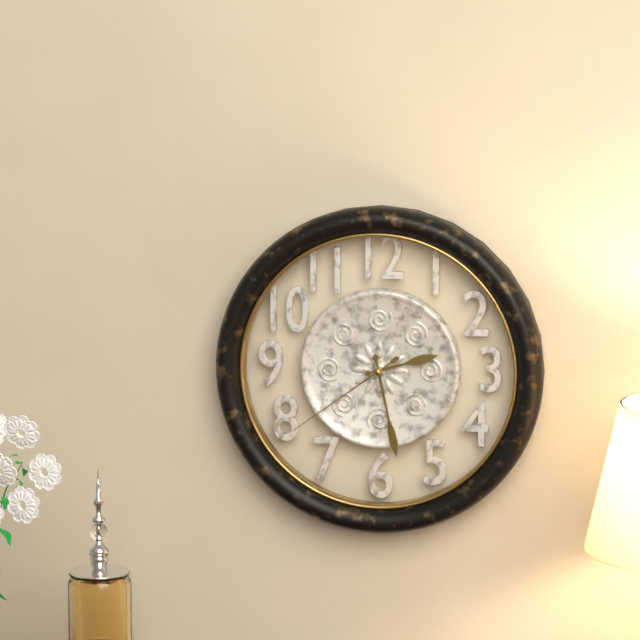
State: 2:28:39
